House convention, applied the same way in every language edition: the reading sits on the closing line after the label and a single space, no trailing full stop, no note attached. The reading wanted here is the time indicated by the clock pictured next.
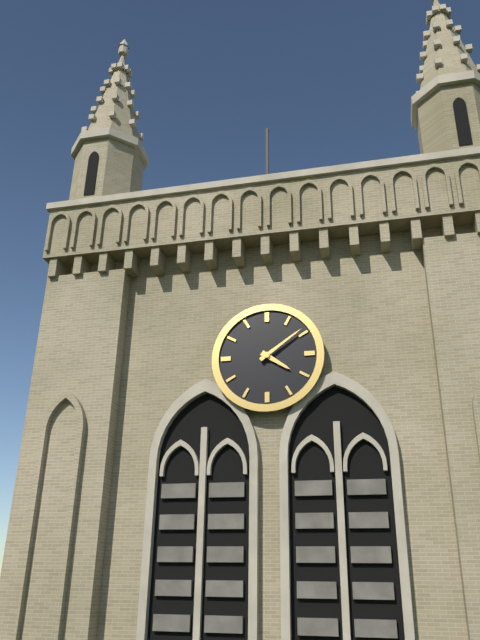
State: 4:09
